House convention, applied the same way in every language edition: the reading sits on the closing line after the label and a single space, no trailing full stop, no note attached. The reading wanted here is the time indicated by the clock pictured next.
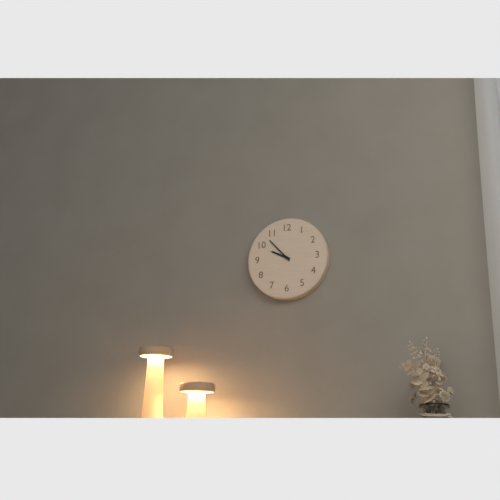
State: 9:53
